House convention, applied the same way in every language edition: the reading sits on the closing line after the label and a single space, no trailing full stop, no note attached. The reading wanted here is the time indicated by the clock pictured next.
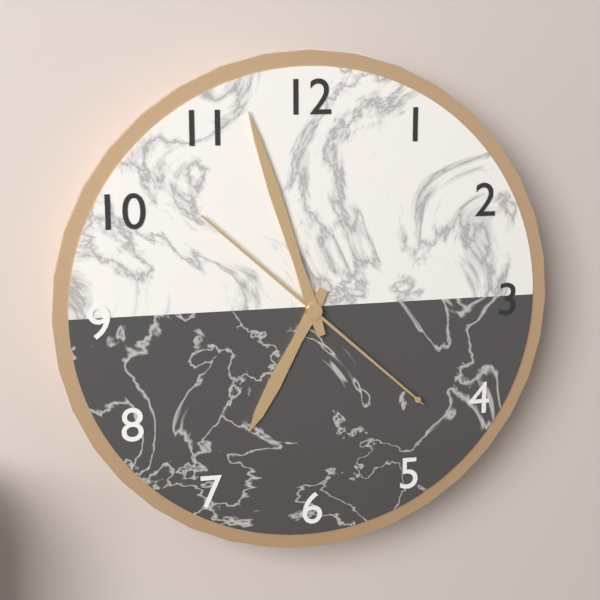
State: 6:57:22
